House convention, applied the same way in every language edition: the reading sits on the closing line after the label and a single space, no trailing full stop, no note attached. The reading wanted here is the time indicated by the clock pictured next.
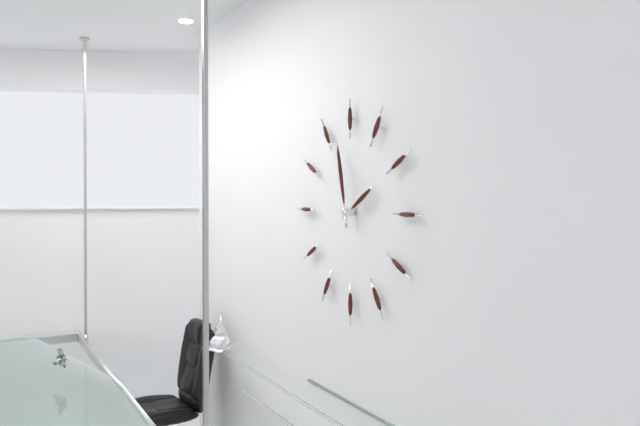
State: 1:58
